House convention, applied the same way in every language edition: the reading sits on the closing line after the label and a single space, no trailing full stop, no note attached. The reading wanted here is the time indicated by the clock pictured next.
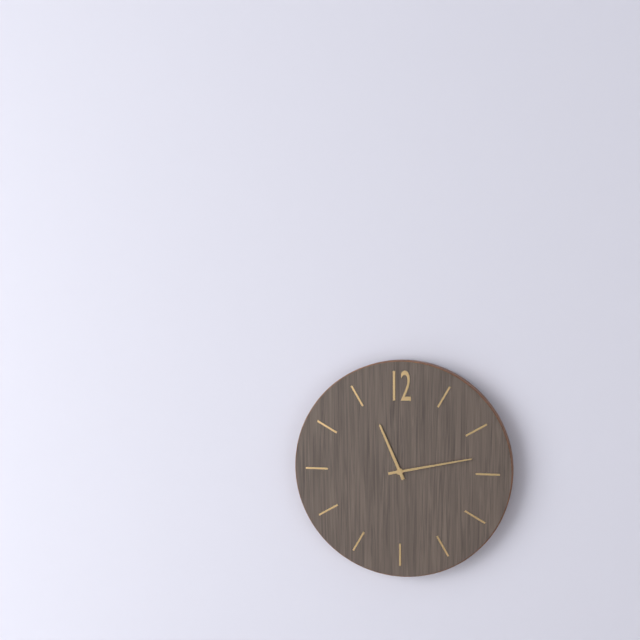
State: 11:13
